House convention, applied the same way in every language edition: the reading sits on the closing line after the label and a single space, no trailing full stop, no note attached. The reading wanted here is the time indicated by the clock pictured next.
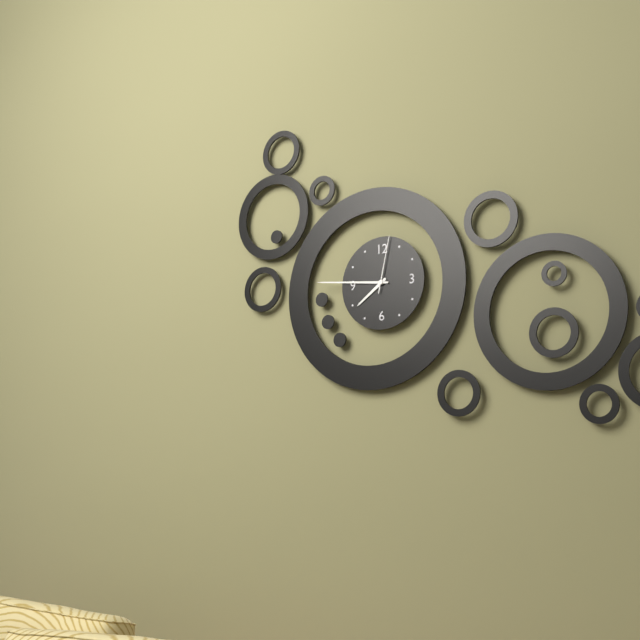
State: 7:46:02
